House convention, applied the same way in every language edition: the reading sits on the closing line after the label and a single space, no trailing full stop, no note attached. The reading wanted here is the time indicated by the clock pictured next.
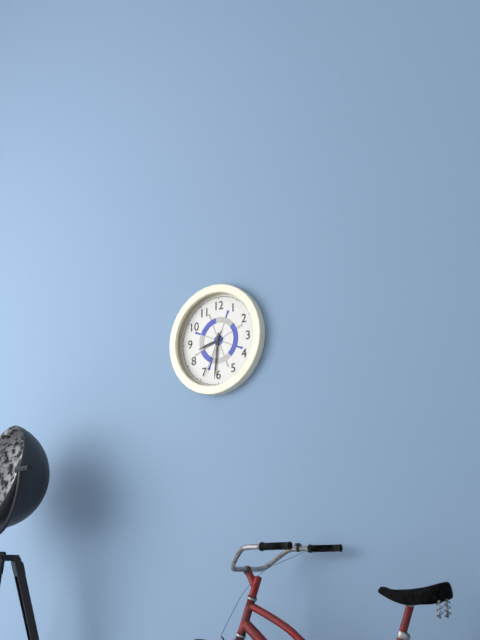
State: 8:31
